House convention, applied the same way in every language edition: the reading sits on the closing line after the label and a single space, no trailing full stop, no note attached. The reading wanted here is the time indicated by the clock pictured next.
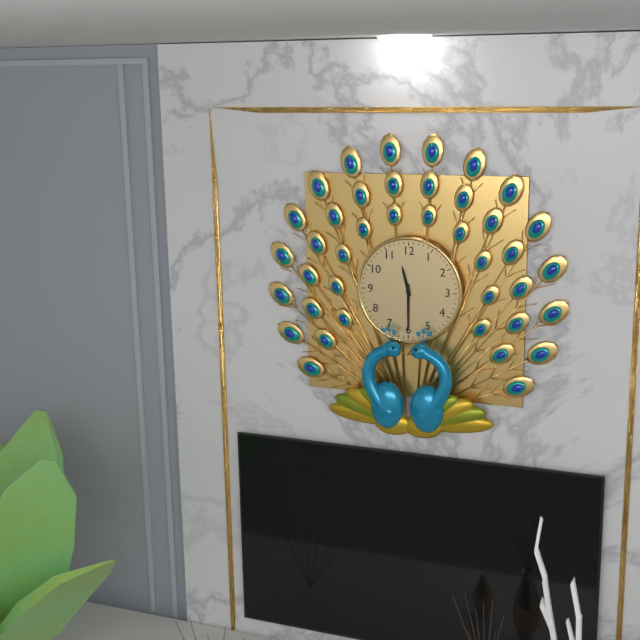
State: 11:30
